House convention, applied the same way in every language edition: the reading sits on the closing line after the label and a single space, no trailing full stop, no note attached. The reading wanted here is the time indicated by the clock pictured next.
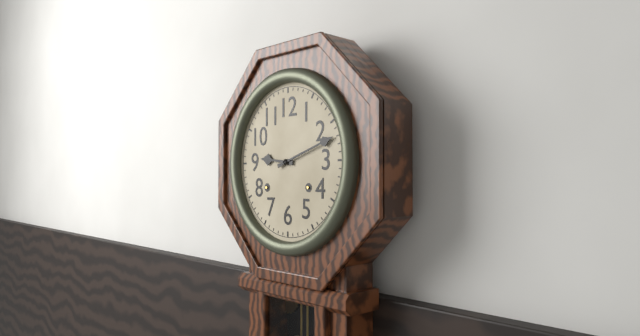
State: 9:12
